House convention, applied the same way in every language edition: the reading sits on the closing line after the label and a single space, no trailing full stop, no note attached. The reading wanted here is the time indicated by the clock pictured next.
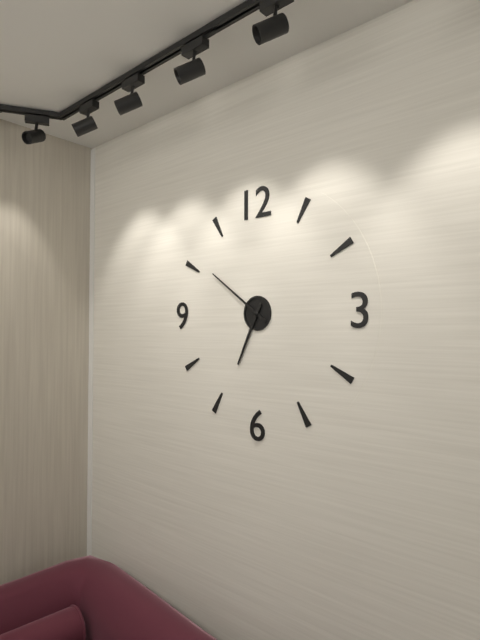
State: 6:51
